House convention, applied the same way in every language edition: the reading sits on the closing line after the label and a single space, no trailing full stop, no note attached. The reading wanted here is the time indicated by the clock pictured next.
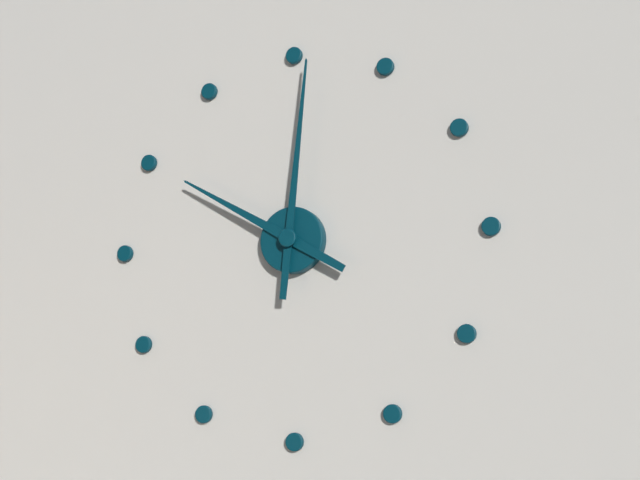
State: 10:01
